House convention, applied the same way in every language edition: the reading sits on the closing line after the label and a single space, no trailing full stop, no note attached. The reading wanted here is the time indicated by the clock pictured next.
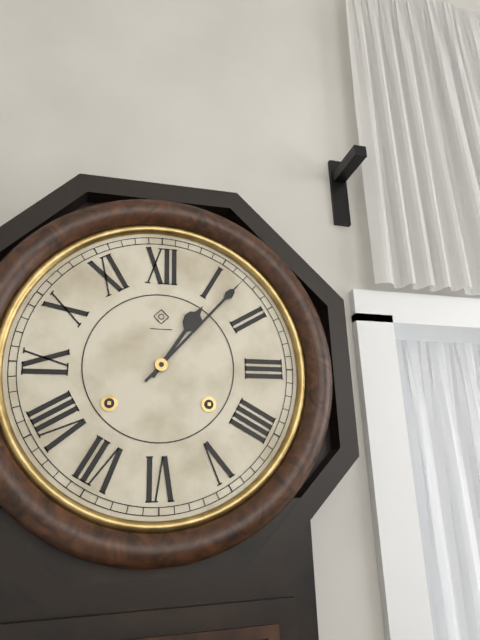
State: 1:07
